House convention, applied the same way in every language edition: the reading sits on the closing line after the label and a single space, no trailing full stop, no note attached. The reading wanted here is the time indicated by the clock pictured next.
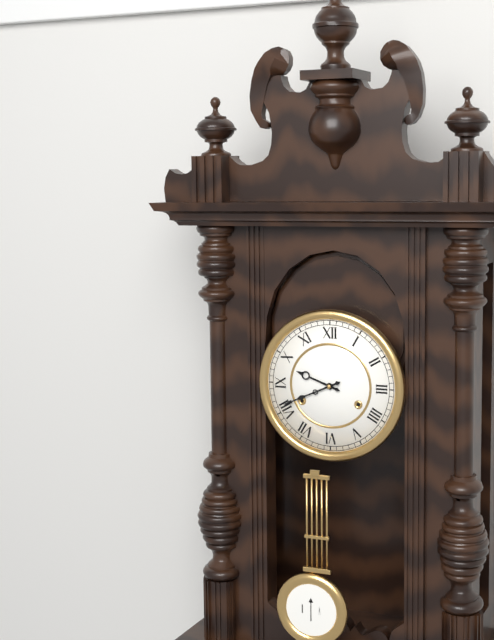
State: 9:41
